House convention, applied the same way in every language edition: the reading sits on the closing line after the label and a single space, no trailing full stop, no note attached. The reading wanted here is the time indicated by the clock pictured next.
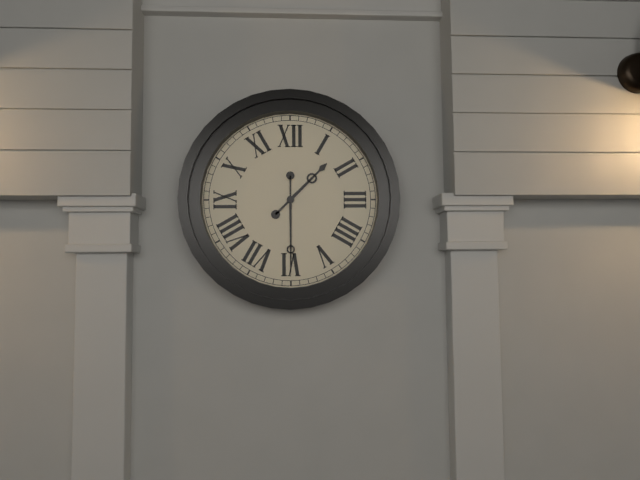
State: 1:30
